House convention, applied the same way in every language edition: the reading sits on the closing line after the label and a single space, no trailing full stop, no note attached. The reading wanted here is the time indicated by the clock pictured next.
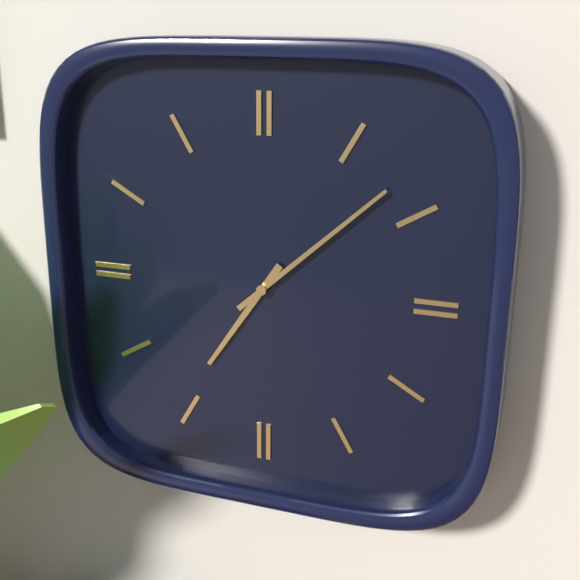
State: 7:08
